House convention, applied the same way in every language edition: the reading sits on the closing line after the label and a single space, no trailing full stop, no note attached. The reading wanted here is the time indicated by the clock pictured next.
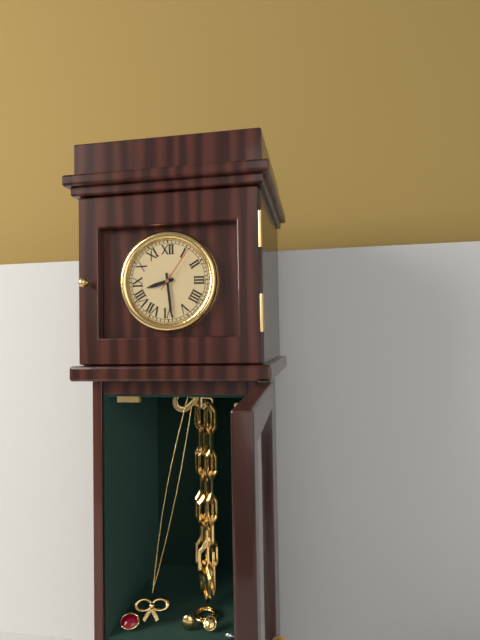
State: 8:29
